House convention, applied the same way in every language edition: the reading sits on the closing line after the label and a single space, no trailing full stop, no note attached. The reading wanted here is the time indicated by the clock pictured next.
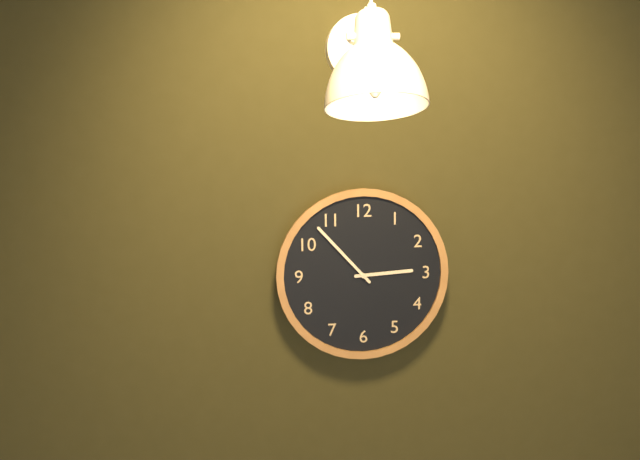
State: 2:53
